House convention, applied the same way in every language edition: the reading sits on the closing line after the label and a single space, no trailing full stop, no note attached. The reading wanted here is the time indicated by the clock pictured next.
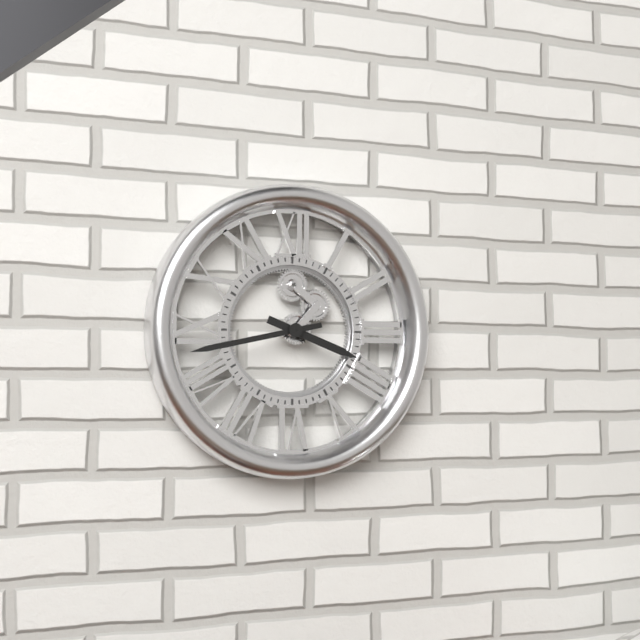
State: 3:43
